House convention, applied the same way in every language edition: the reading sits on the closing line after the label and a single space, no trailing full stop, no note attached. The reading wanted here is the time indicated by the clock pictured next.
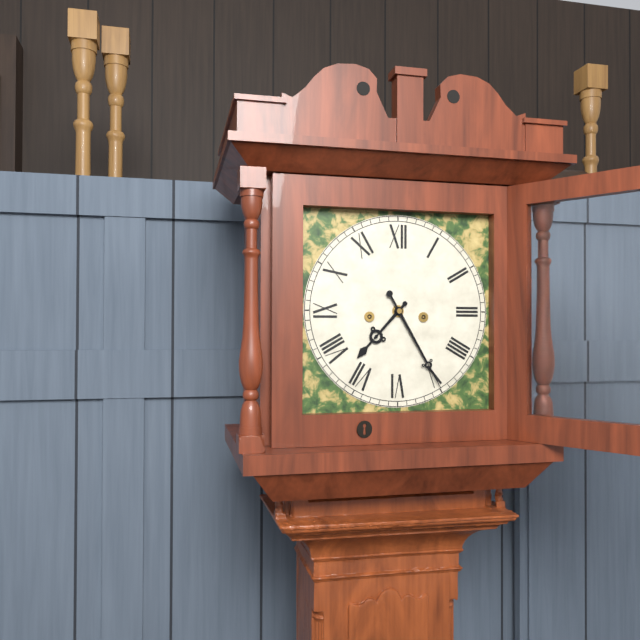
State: 7:25
